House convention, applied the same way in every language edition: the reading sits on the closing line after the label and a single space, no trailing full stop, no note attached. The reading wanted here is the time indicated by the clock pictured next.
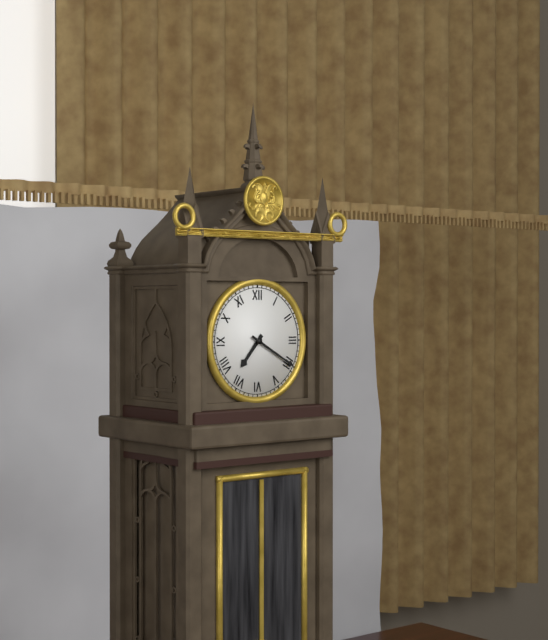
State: 7:20
